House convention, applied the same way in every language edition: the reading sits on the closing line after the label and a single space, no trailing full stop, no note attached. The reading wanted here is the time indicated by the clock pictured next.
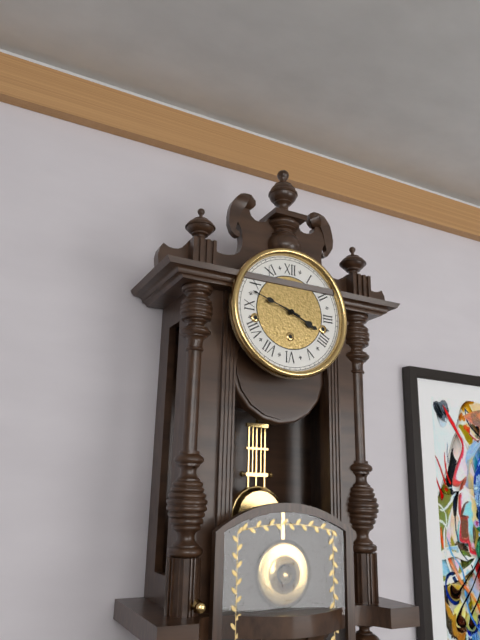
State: 3:48
